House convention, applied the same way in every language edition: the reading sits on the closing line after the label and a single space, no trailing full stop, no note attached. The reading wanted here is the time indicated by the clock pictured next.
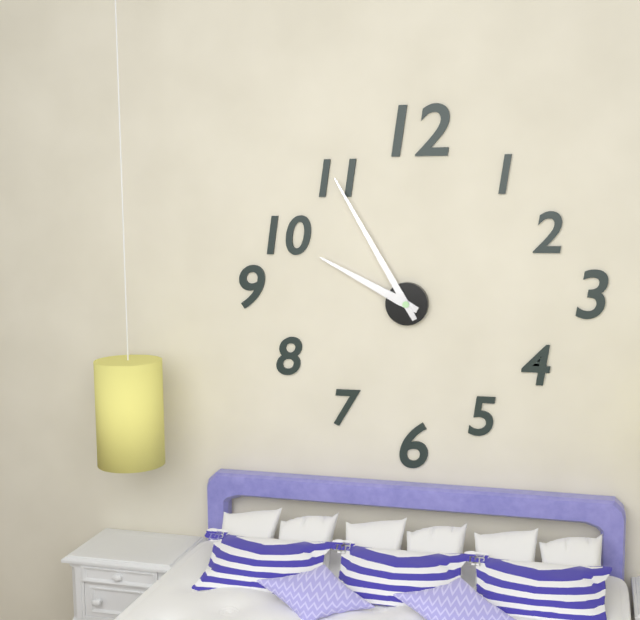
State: 9:55
